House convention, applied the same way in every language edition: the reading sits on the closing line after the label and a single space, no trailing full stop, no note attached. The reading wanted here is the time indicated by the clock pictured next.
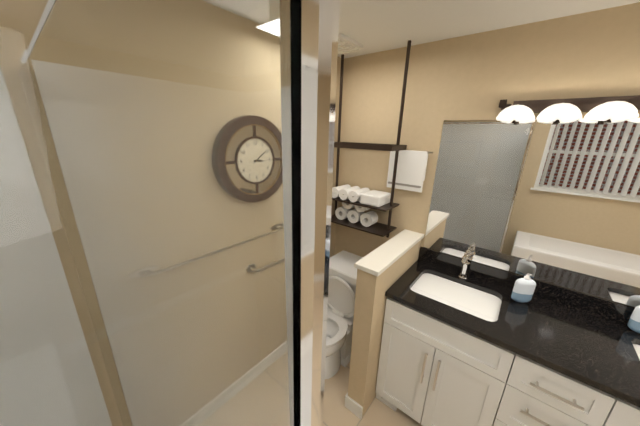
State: 3:09
